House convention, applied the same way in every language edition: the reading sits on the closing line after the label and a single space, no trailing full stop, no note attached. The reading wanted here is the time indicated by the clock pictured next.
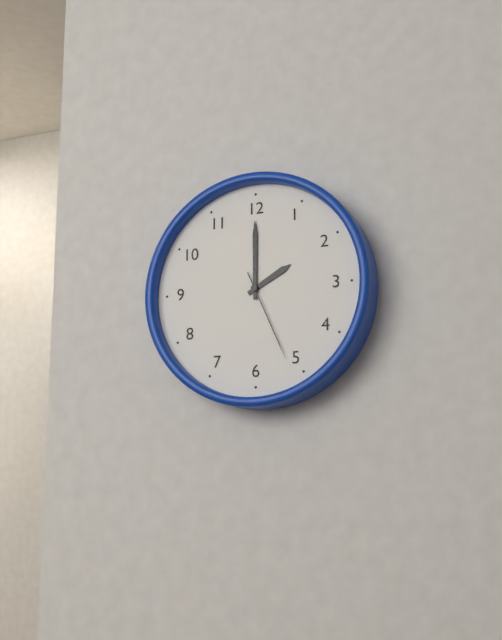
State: 2:00:26
